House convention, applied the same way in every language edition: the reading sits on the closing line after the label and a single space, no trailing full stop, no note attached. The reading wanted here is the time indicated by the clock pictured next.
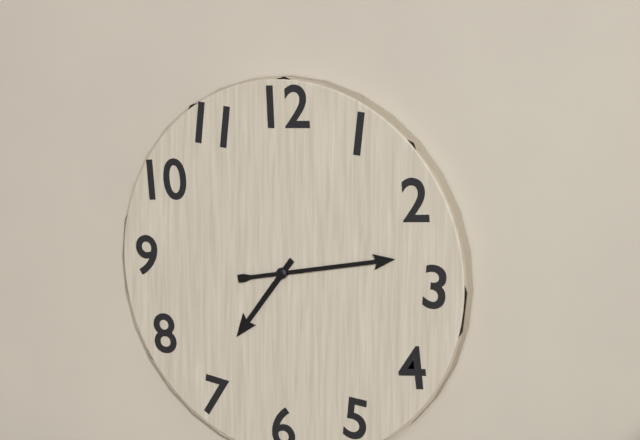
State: 7:13
